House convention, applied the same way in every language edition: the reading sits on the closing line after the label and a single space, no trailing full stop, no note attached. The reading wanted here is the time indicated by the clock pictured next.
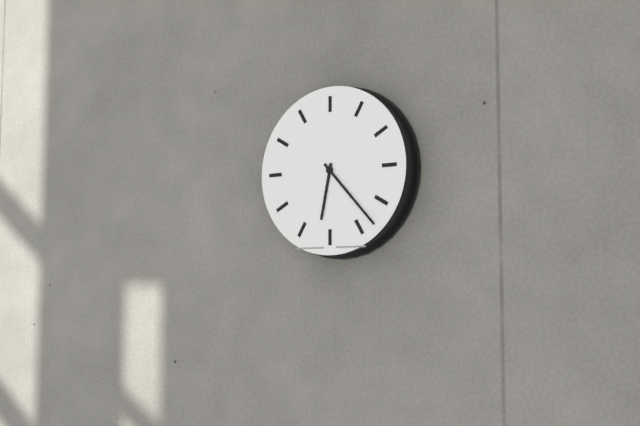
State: 6:23
